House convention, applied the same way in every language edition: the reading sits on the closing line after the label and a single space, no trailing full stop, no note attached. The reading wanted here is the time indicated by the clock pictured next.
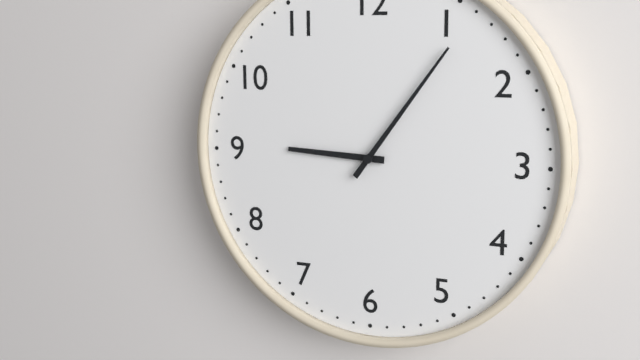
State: 9:06
